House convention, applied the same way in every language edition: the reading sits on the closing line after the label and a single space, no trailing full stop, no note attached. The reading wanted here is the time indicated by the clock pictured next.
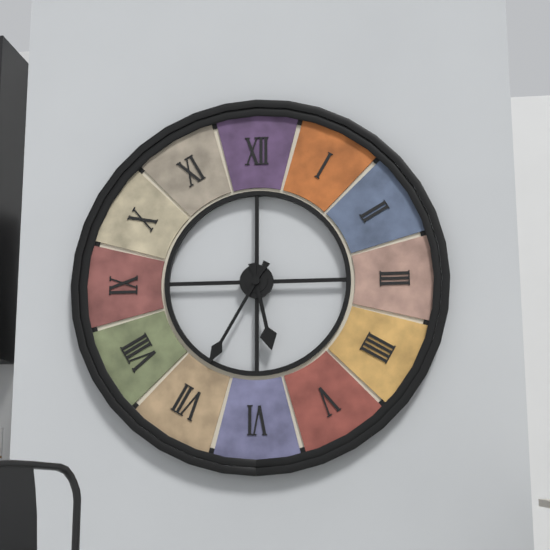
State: 5:35
